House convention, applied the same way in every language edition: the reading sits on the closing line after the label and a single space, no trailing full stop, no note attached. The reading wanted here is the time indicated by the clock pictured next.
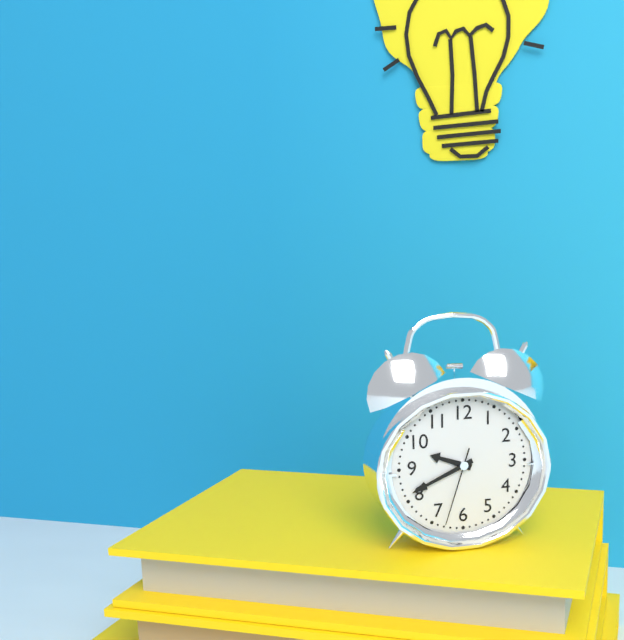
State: 9:41:33
